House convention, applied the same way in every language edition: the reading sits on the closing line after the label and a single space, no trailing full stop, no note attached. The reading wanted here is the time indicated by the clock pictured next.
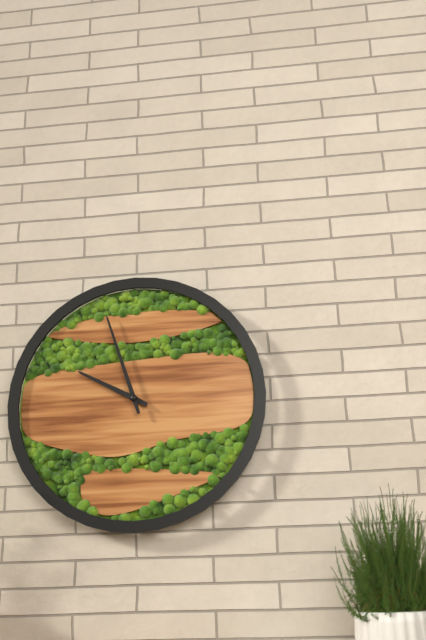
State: 9:57
